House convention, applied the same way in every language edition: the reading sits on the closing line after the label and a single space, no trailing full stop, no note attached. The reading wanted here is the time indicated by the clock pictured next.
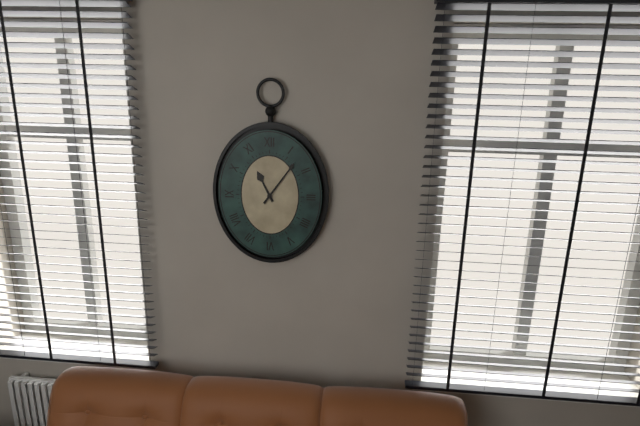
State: 11:06
